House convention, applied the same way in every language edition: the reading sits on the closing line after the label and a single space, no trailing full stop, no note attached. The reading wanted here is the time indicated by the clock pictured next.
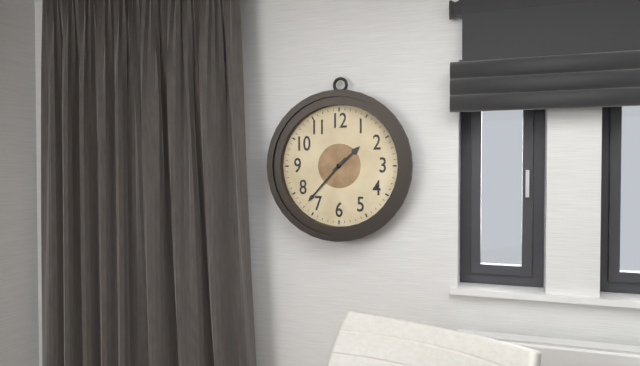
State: 1:37
